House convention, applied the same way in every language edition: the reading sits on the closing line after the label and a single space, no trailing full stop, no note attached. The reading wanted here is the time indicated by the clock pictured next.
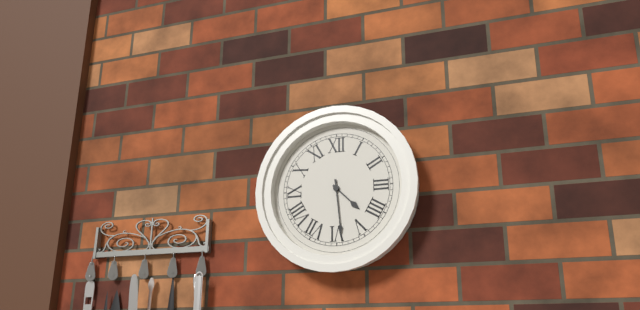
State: 4:29
